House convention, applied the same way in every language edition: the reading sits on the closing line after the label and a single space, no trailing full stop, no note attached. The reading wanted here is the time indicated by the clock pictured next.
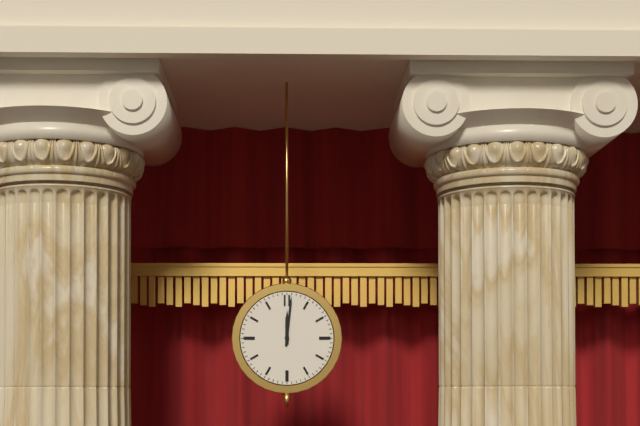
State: 12:01
